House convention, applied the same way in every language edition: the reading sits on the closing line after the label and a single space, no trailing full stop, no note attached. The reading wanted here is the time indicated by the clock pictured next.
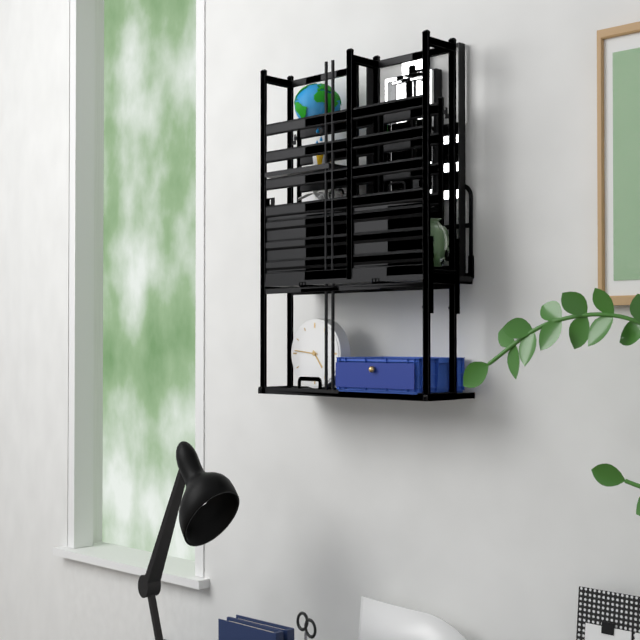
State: 4:46
